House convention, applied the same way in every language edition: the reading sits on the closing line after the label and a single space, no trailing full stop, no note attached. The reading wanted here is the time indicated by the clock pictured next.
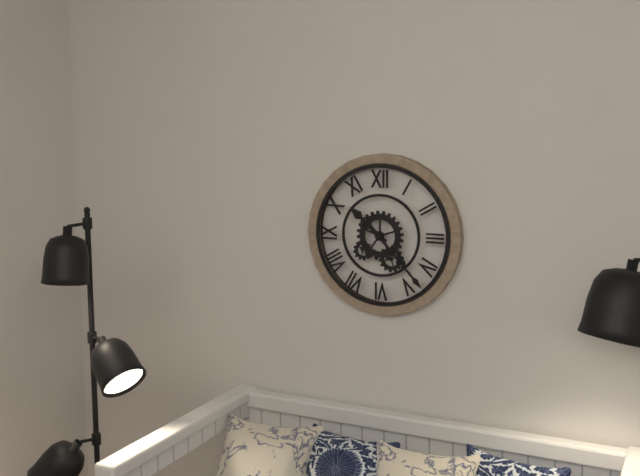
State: 10:23
